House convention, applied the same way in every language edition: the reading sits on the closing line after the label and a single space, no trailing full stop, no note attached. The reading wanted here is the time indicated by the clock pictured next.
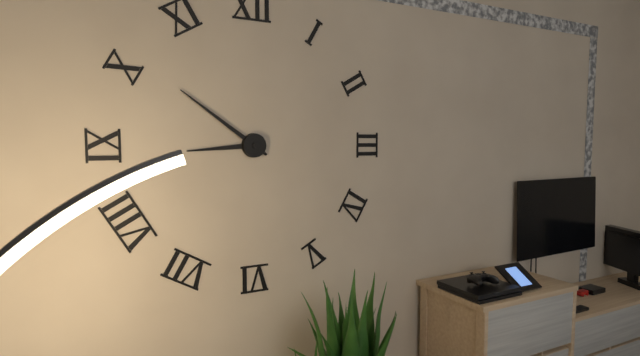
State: 8:51
